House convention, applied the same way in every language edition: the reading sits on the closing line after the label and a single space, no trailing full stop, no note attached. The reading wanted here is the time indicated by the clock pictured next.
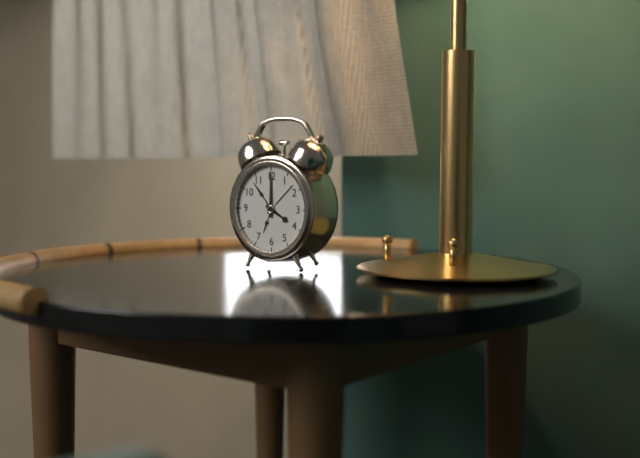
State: 4:00
